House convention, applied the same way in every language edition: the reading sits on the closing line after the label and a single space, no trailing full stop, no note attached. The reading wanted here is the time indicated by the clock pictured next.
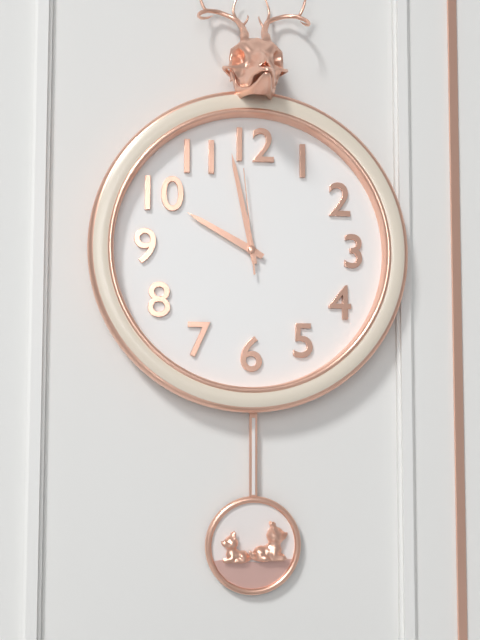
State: 9:58:59
